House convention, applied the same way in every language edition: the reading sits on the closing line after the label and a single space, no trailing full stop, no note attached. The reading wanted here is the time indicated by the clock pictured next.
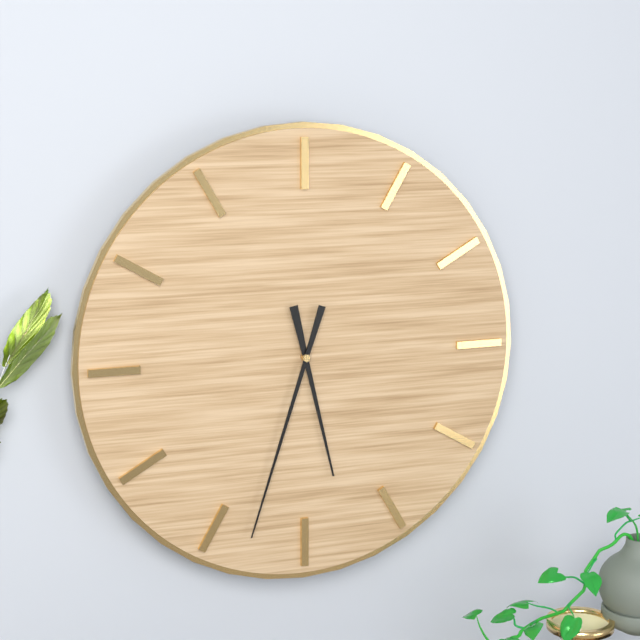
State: 5:33
